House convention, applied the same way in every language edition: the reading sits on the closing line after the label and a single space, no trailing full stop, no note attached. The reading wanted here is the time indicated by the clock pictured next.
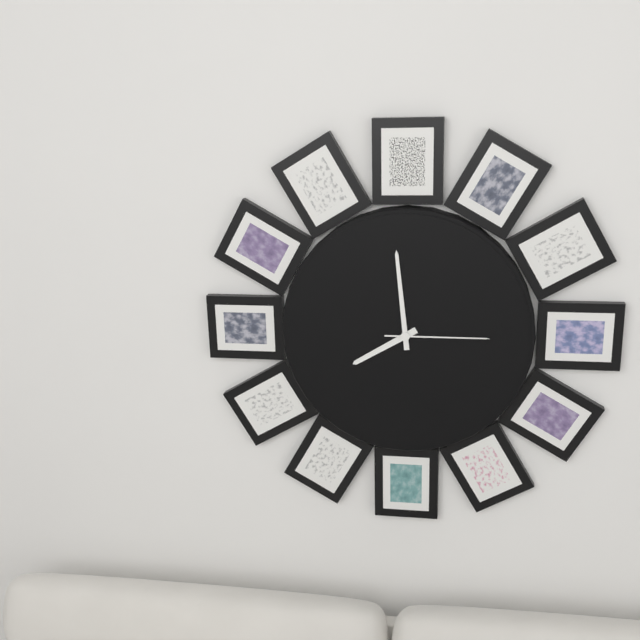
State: 7:59:15
